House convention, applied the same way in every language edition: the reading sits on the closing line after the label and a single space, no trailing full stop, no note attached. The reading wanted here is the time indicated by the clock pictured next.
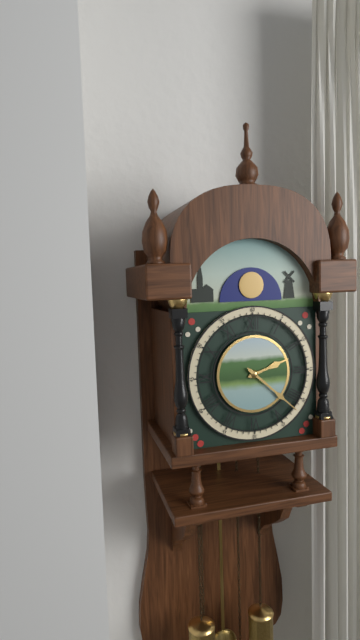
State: 2:22
